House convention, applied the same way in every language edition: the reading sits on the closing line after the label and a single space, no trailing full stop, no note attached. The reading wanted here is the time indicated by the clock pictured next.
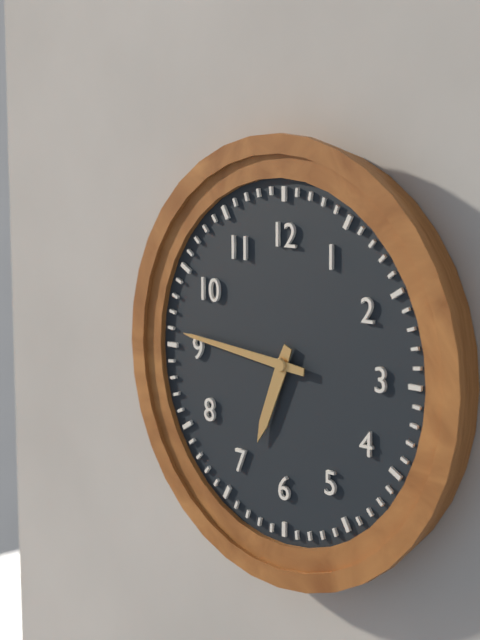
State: 6:46
